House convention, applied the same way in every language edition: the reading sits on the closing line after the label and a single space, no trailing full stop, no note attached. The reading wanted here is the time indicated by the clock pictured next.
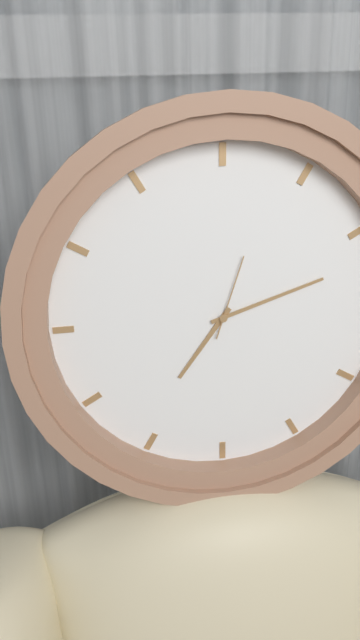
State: 7:12:03
